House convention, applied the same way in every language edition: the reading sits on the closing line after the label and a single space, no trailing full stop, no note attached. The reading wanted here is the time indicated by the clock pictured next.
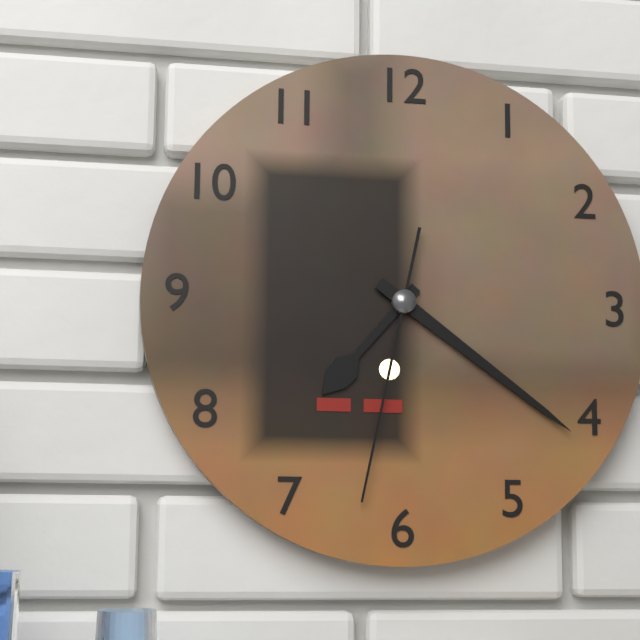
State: 7:21:32
